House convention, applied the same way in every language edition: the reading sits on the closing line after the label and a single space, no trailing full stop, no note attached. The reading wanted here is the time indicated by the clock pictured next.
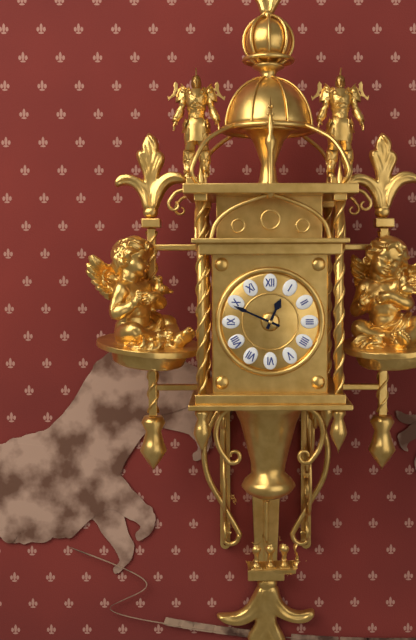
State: 12:49
